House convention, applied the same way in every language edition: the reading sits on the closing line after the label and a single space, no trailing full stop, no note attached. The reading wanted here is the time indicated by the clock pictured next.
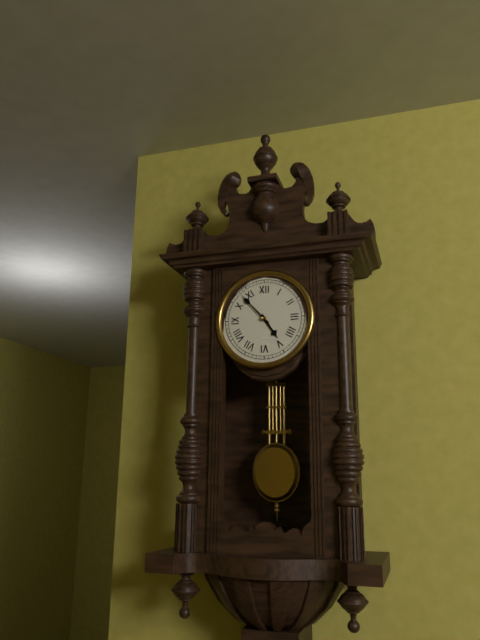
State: 4:53
